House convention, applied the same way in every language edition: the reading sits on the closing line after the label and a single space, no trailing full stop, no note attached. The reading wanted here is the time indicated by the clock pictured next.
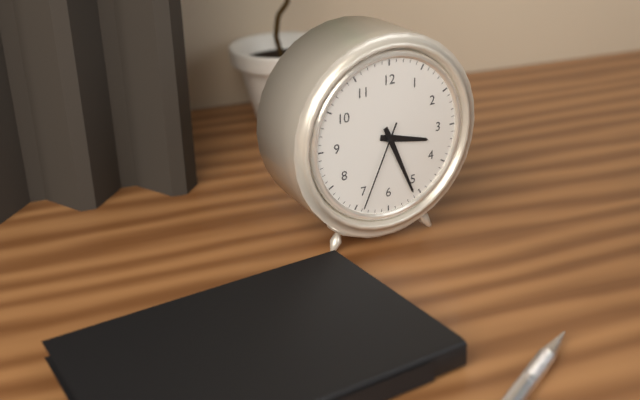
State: 3:26:34
